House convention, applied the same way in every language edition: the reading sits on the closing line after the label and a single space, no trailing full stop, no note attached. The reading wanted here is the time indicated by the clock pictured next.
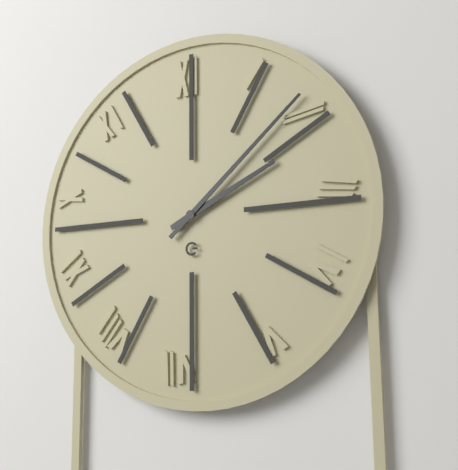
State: 2:08
